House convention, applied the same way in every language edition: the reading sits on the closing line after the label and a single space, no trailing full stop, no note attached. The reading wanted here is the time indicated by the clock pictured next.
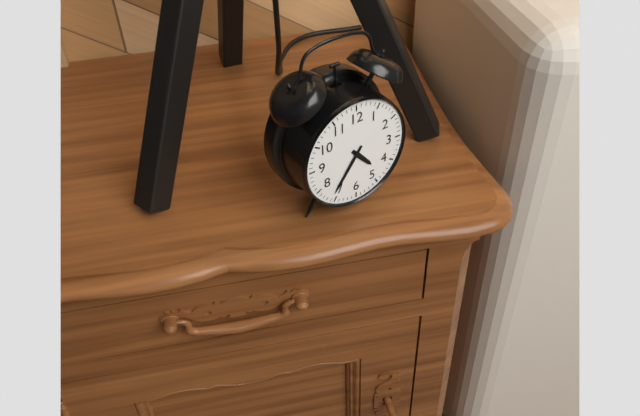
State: 4:36
